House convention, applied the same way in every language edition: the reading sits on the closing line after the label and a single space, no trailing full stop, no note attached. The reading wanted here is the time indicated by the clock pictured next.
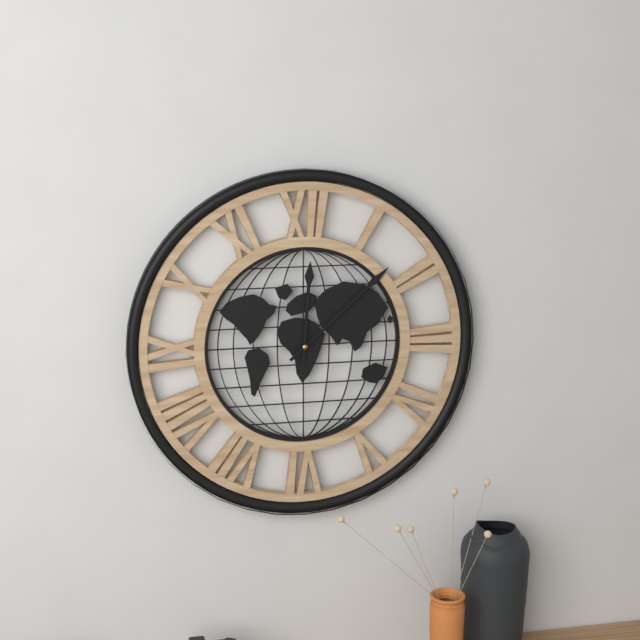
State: 12:08
